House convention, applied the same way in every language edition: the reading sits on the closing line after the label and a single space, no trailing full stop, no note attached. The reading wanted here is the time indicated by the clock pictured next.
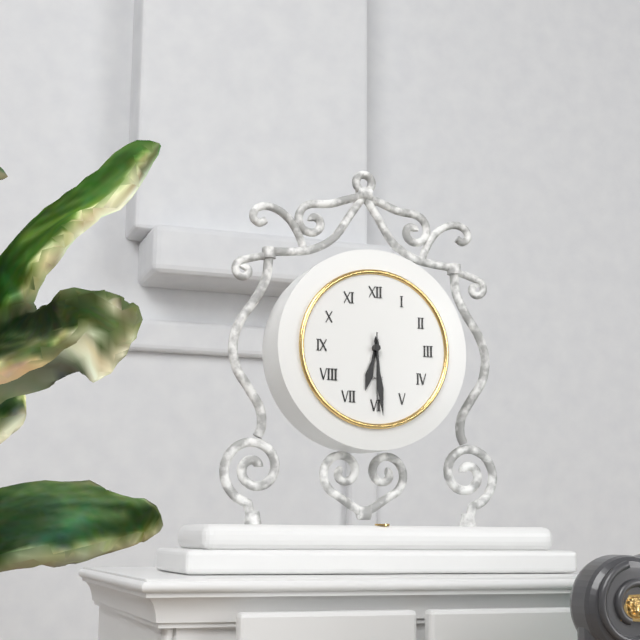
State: 6:29:30
